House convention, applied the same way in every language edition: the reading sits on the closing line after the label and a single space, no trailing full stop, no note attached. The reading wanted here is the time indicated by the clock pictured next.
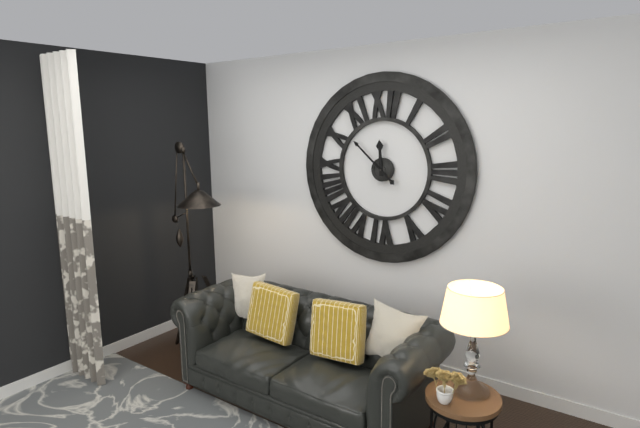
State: 11:52
